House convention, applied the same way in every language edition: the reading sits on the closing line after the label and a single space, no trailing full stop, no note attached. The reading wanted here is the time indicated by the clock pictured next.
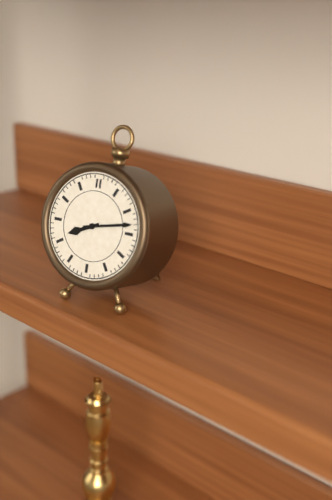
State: 8:13
